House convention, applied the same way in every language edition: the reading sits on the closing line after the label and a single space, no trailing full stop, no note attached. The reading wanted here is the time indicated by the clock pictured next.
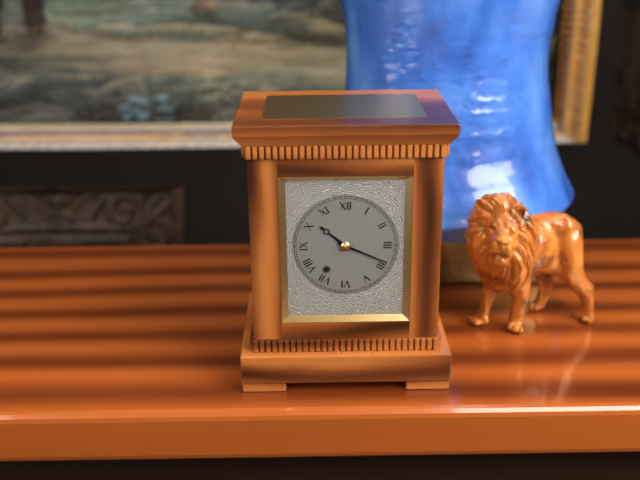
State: 10:19
